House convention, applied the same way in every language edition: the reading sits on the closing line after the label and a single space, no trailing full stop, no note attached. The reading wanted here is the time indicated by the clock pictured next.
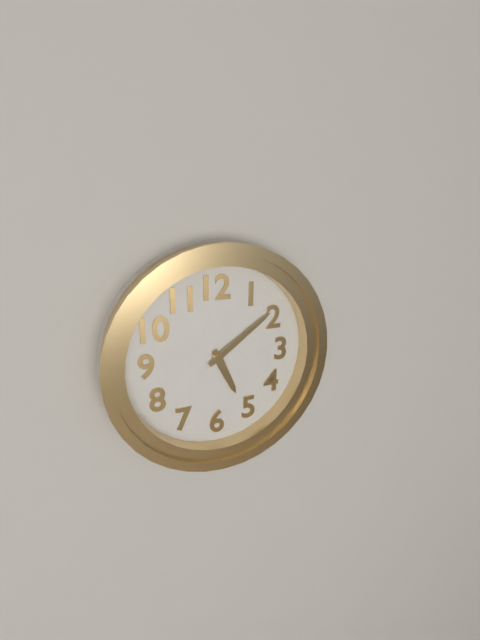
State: 5:09
